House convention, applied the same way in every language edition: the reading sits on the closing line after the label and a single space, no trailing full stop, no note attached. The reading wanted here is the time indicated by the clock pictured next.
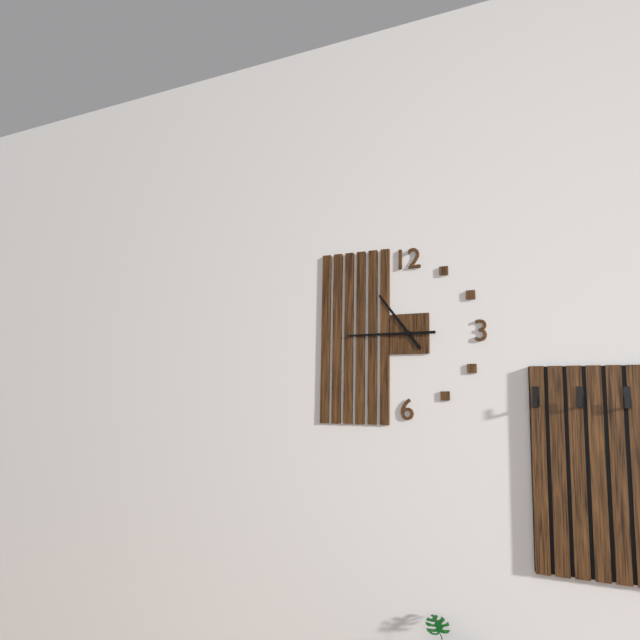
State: 10:45
